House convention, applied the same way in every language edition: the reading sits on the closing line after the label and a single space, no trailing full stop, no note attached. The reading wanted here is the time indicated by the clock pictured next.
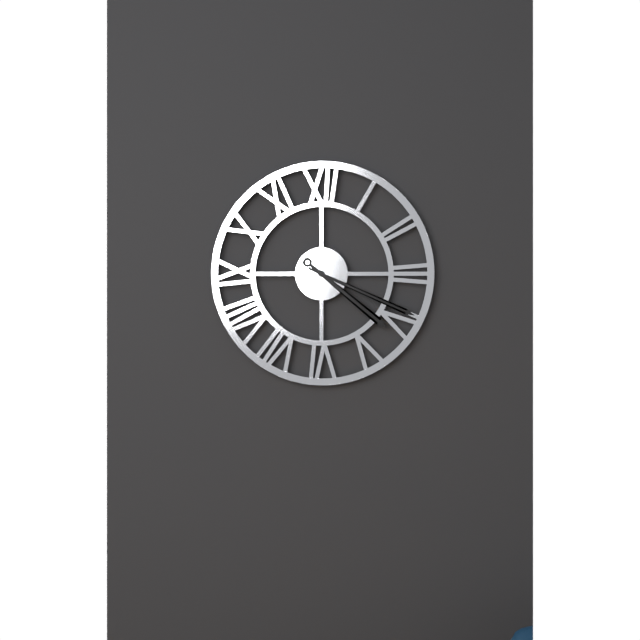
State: 4:19
